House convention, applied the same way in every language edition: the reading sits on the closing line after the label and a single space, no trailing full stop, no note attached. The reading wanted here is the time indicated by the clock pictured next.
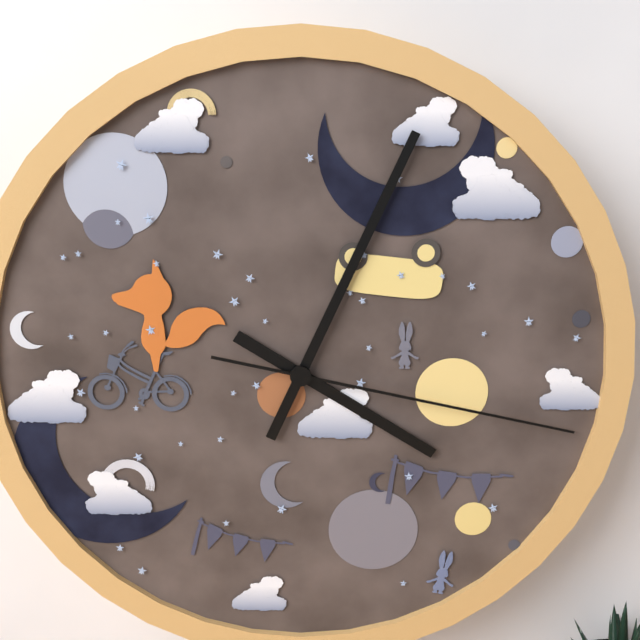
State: 4:04:17
